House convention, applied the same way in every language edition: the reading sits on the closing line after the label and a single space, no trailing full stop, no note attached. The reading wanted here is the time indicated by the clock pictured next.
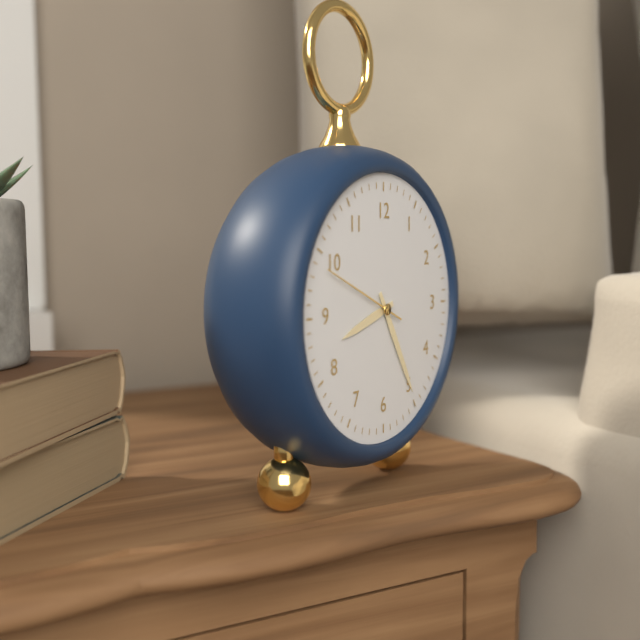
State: 8:25:49
